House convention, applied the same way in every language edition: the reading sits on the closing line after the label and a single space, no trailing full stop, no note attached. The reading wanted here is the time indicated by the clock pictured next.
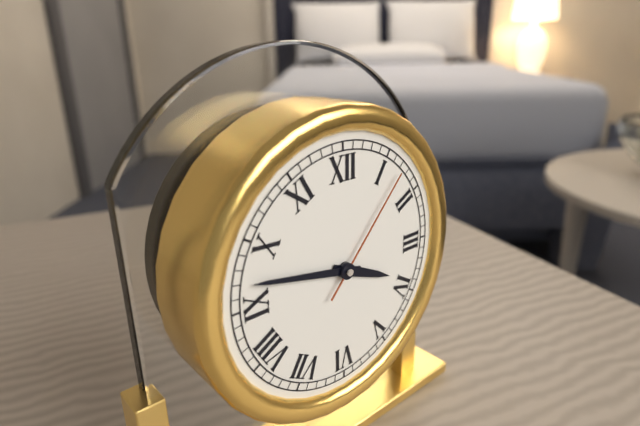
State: 3:47:07
